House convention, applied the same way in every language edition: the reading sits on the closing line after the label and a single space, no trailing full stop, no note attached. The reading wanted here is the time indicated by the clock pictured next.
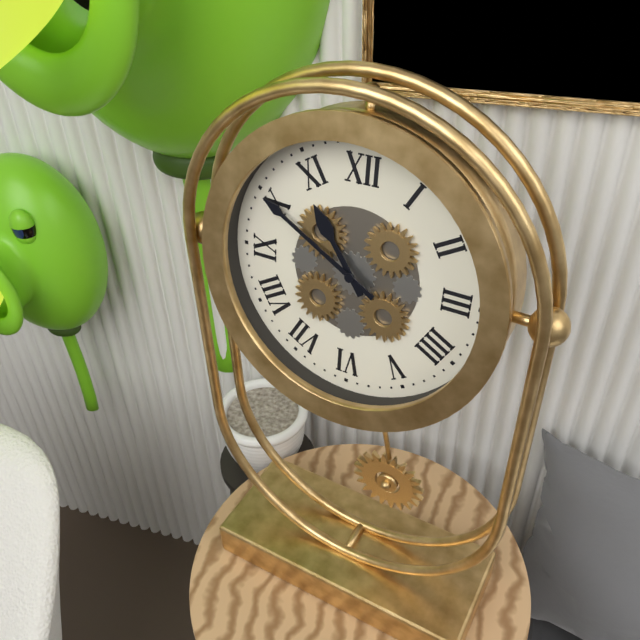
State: 10:50
